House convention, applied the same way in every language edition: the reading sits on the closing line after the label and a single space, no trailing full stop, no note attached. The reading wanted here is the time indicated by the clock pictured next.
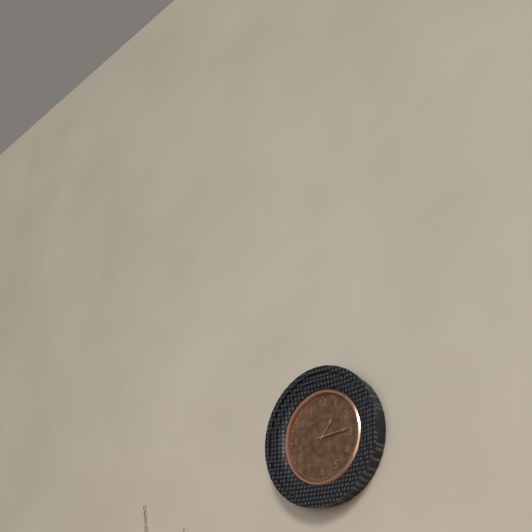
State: 1:14
